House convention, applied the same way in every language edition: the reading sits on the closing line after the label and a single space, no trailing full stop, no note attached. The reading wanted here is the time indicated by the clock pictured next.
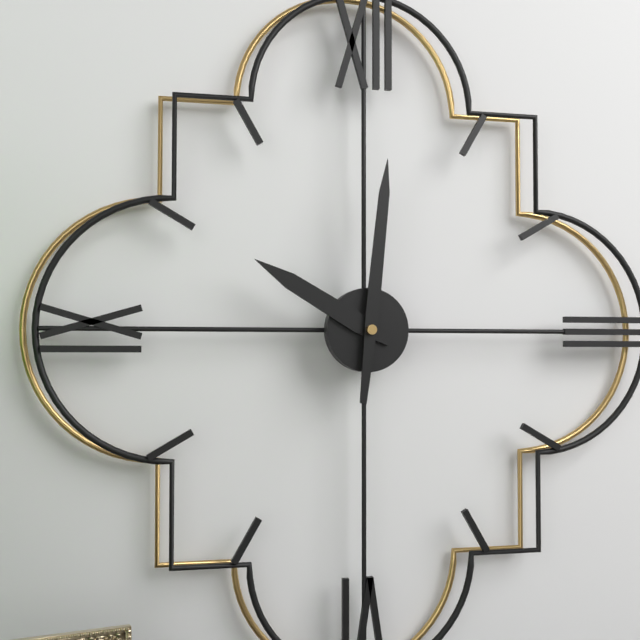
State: 10:01
